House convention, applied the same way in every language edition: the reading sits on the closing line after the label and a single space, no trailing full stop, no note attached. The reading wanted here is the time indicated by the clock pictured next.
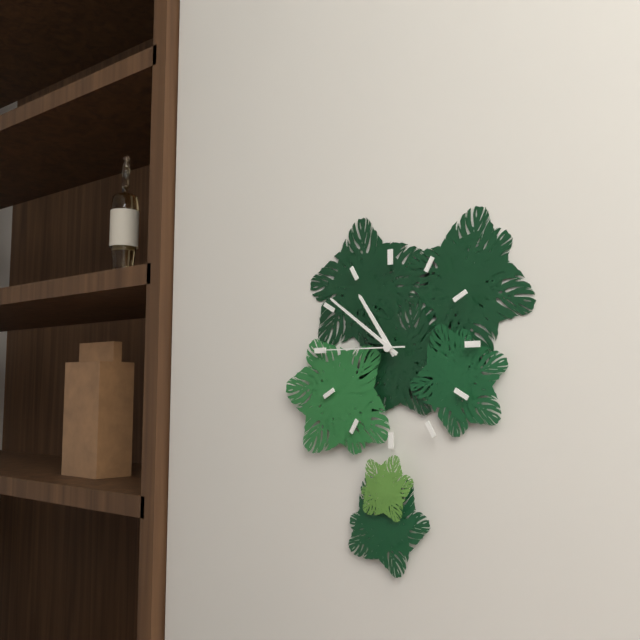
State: 10:51:45
